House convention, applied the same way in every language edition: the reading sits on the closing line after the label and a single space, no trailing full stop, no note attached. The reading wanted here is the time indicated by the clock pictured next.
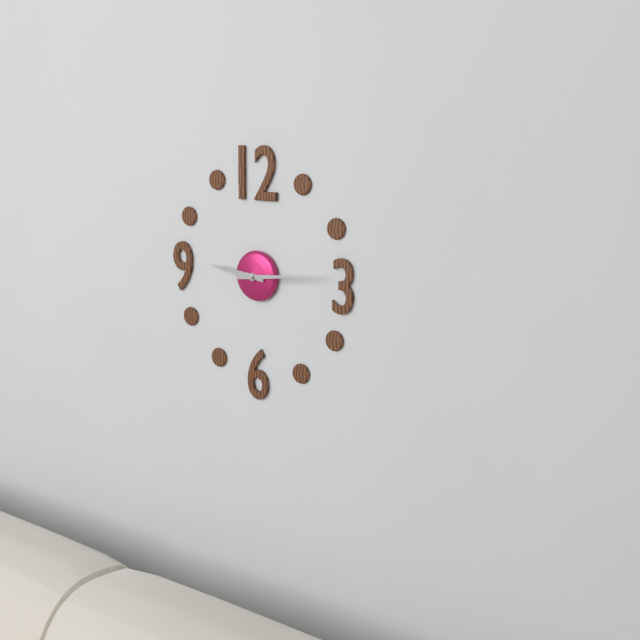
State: 9:14
